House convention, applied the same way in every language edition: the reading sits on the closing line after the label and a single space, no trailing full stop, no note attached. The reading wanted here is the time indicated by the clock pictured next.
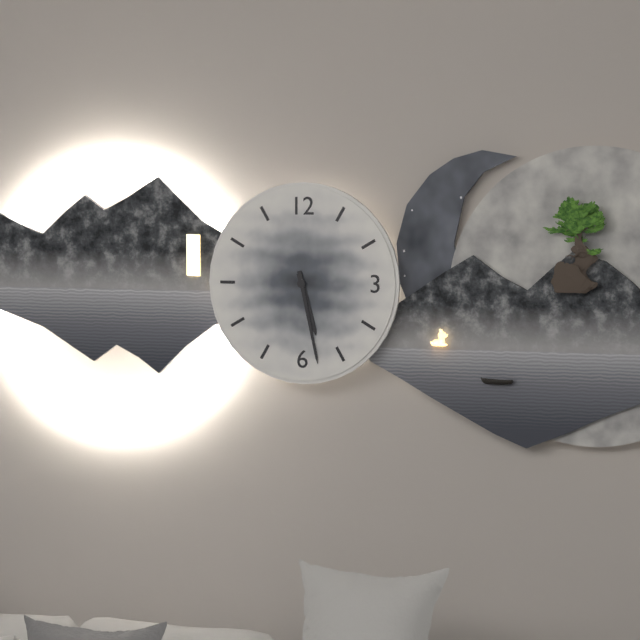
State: 5:28
